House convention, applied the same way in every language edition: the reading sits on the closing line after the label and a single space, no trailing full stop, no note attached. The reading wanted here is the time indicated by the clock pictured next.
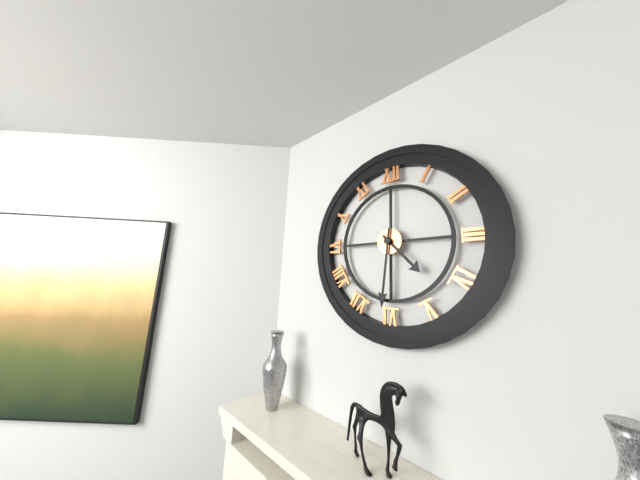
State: 4:31
